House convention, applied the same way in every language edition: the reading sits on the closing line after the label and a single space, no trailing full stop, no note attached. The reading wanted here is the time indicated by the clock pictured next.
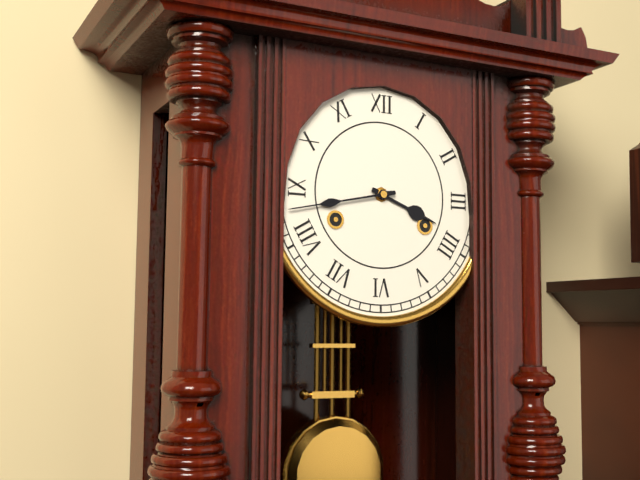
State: 3:43
